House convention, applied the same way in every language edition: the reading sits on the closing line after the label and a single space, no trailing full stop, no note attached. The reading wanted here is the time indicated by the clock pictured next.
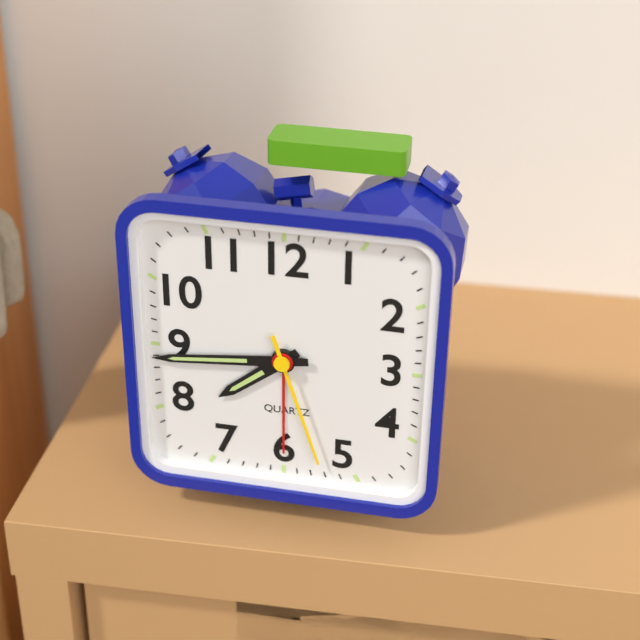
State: 7:44:27
